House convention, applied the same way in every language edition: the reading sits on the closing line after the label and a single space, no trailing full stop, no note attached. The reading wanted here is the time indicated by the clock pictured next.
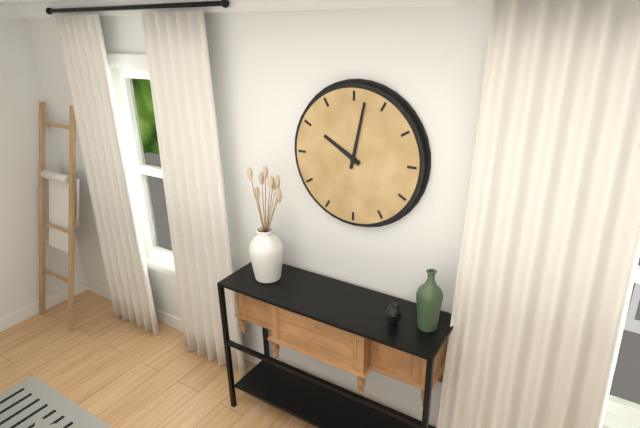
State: 10:02
